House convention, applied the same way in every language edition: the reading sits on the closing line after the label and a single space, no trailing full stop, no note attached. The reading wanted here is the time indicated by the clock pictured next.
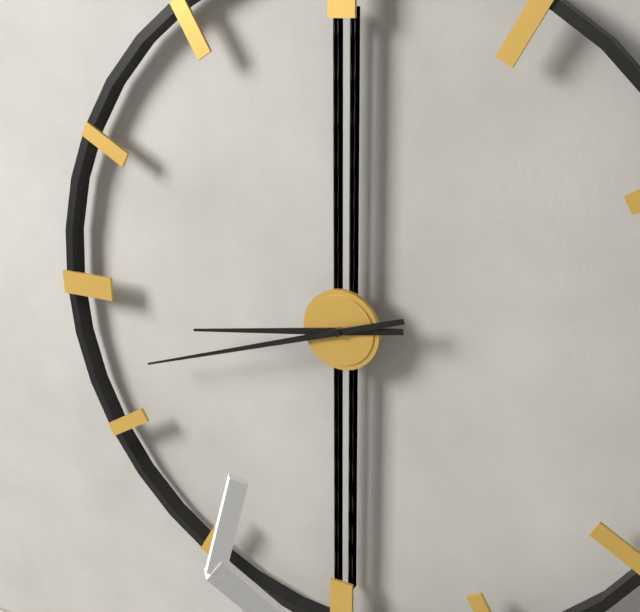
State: 8:42
